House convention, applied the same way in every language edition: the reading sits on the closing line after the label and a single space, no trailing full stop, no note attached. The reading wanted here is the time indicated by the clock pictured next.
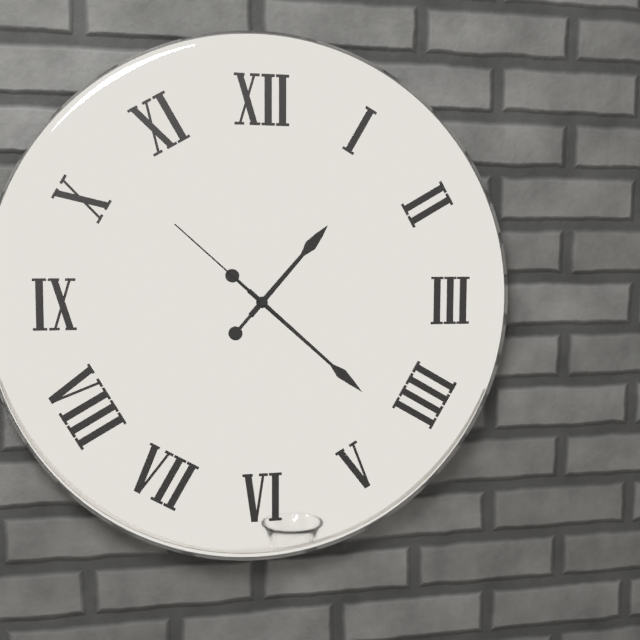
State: 1:22:52
